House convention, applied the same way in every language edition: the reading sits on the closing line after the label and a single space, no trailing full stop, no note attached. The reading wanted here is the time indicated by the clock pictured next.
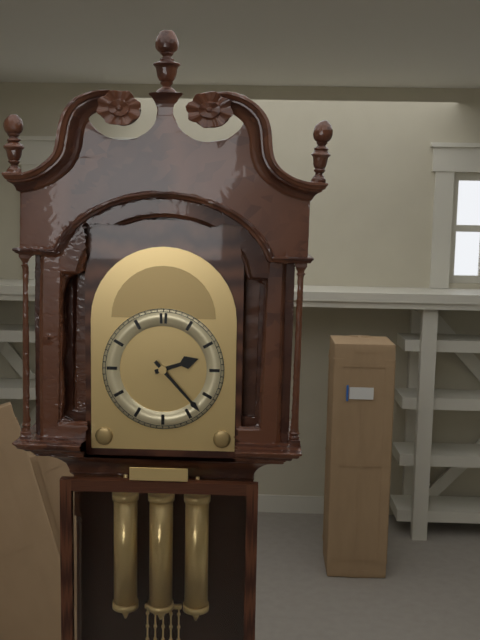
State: 2:23
